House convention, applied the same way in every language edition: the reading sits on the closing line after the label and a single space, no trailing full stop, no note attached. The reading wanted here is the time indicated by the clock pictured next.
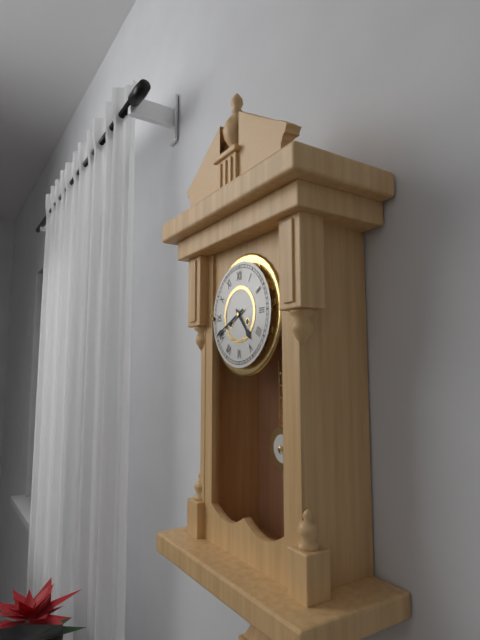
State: 4:41
